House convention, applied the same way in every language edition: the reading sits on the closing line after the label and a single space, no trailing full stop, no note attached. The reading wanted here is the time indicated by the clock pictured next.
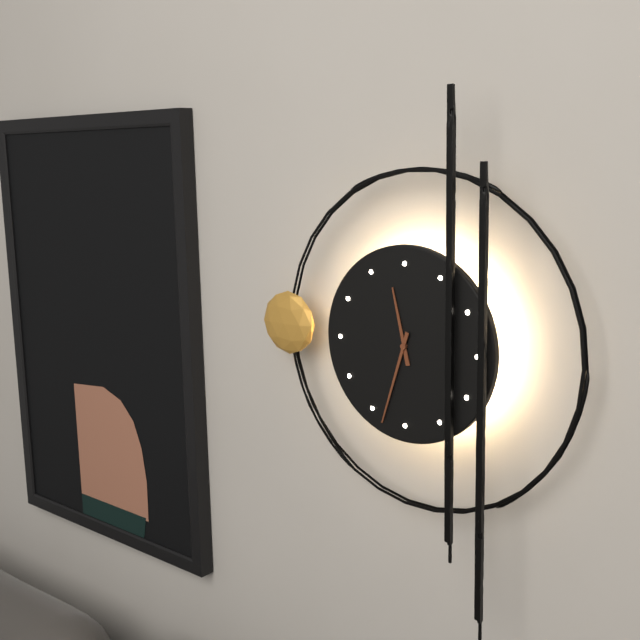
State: 11:33
